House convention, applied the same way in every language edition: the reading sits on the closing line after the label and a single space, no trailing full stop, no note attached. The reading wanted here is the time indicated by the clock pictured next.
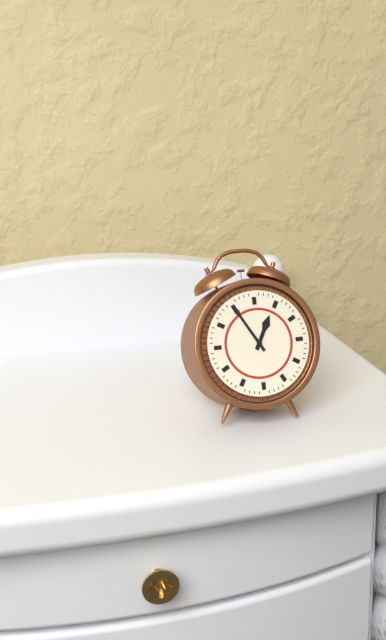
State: 12:55
